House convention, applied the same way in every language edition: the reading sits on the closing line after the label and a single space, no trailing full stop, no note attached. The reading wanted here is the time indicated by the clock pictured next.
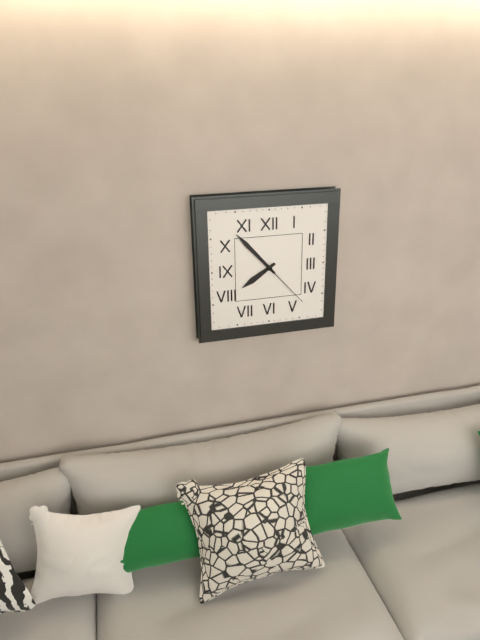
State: 7:53:23
